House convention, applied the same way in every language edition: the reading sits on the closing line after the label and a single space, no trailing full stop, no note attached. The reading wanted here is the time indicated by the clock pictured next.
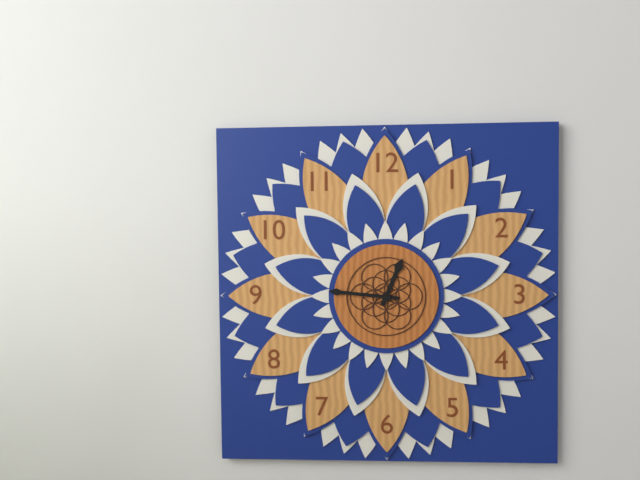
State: 12:46
